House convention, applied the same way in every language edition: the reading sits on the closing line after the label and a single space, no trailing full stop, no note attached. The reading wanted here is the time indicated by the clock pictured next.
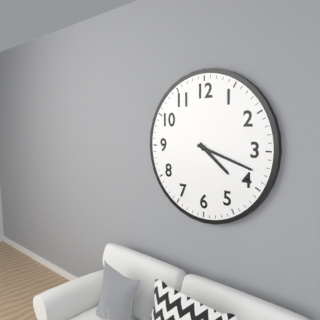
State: 4:18
